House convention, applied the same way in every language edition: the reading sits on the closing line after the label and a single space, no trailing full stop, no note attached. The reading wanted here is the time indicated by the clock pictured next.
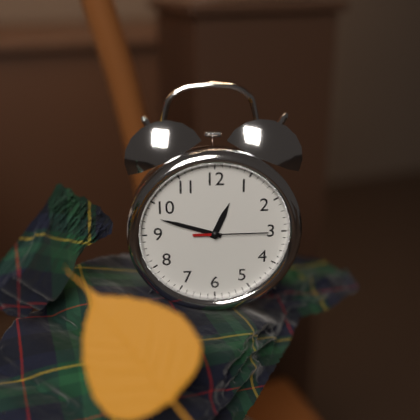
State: 12:48:15
